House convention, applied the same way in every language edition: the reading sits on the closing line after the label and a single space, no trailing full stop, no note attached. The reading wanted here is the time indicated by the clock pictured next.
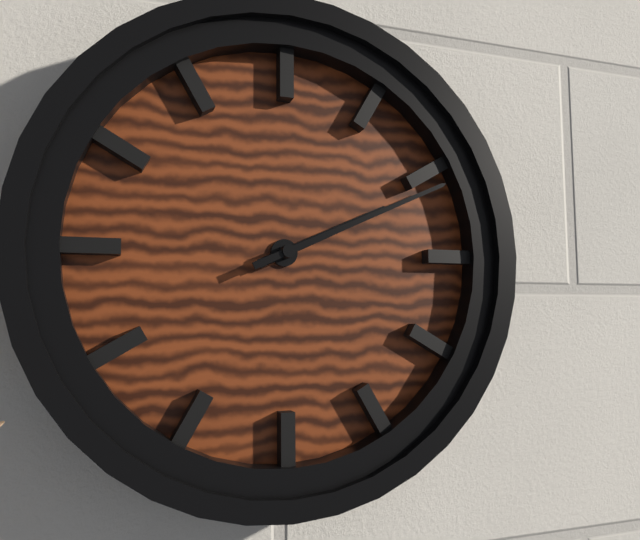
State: 2:11
